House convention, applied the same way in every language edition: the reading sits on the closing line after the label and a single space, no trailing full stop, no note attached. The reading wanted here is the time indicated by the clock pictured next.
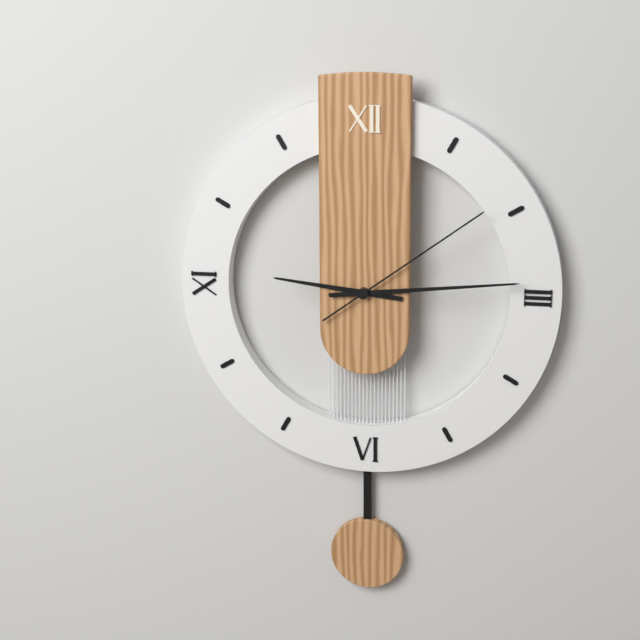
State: 9:14:09
